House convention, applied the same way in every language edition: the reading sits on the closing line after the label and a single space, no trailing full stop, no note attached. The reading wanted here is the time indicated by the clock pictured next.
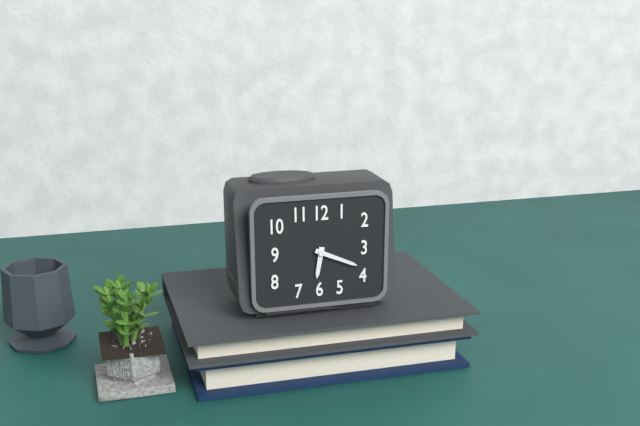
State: 6:19
